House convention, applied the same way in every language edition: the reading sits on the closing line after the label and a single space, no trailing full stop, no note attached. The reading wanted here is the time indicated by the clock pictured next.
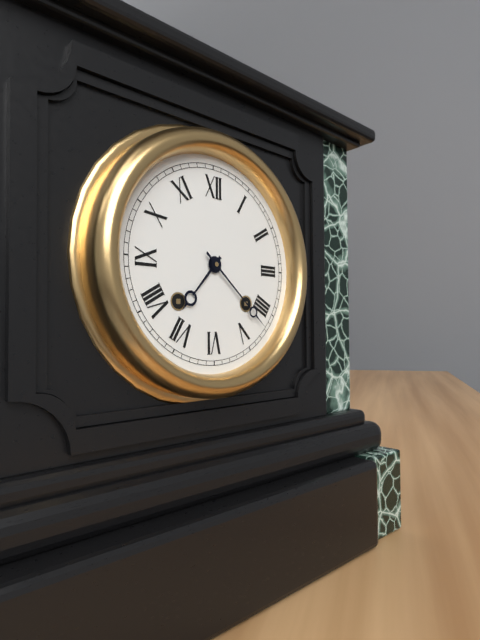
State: 7:22
